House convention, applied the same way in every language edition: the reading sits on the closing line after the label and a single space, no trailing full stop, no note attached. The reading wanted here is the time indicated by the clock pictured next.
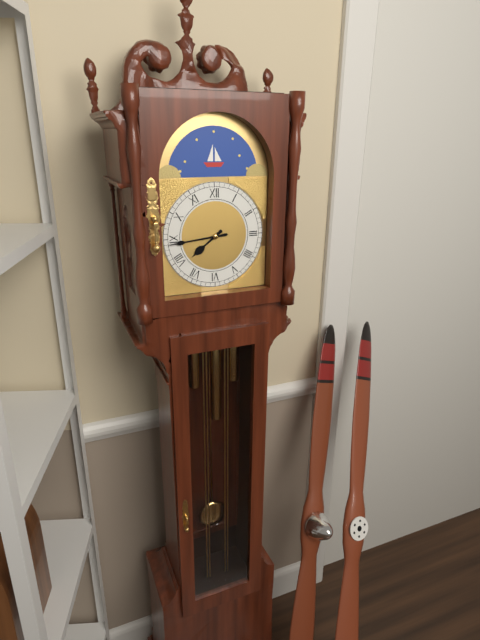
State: 7:44
